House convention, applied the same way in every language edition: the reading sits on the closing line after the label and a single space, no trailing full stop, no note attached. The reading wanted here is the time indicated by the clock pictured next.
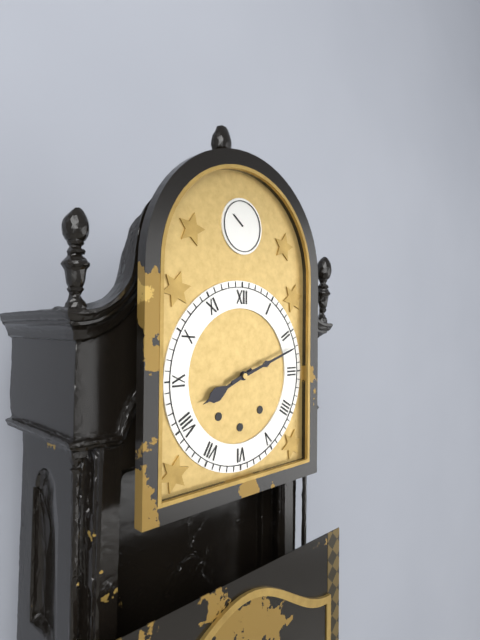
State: 8:12
